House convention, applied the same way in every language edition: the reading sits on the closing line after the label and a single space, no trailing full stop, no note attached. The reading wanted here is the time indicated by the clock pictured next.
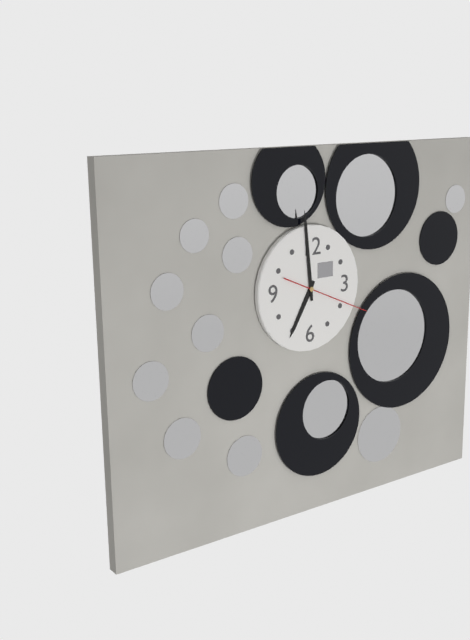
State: 6:59:19
